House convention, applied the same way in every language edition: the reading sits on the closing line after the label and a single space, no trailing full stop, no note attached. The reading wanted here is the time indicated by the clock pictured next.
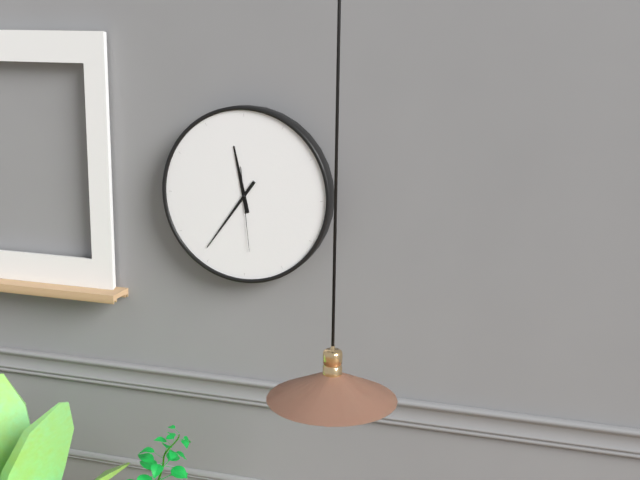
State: 11:36:29
